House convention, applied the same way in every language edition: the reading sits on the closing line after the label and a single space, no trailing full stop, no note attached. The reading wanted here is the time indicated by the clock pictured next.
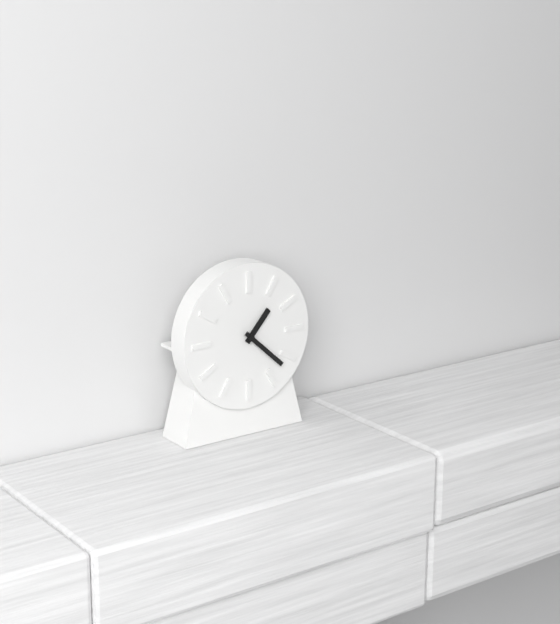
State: 1:22
